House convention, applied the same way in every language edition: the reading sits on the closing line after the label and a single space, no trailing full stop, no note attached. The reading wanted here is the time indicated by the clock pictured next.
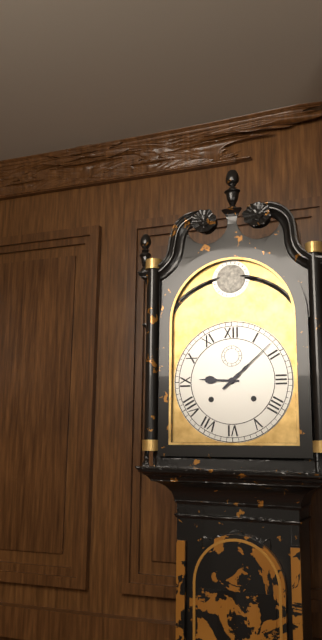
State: 9:08
